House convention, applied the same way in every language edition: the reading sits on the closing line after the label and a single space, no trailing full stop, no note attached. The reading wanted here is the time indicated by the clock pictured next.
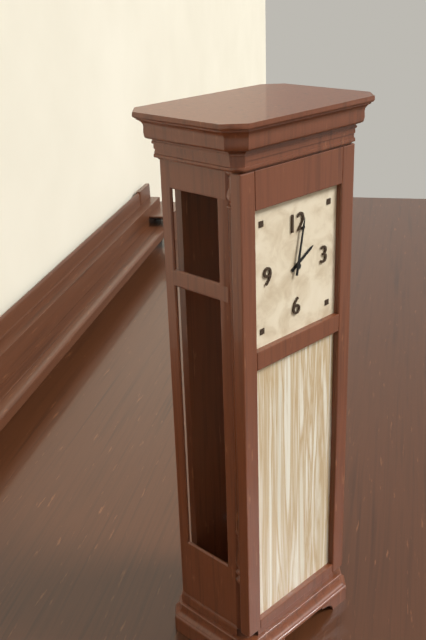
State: 2:02
